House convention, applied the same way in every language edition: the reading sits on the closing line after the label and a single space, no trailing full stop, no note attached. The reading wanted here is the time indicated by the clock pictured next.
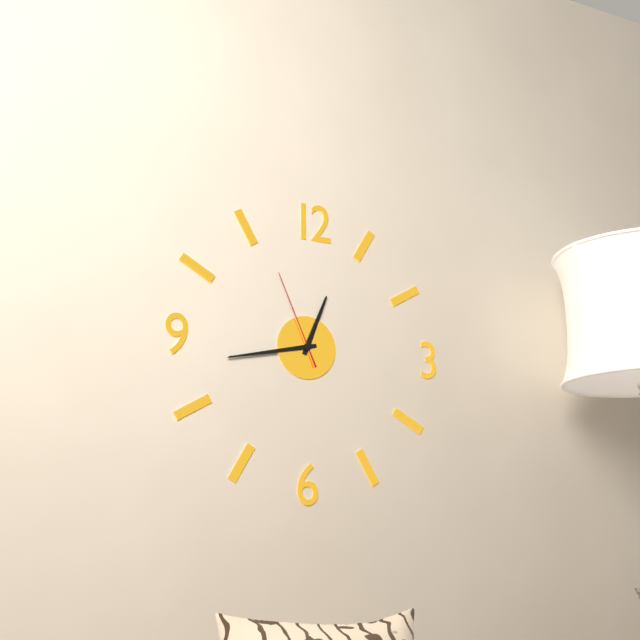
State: 12:43:56
